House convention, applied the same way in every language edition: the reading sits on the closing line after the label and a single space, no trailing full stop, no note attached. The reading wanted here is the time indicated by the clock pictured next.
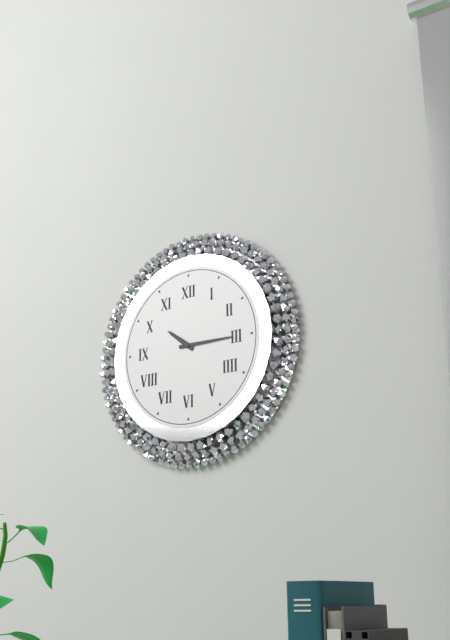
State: 10:15
